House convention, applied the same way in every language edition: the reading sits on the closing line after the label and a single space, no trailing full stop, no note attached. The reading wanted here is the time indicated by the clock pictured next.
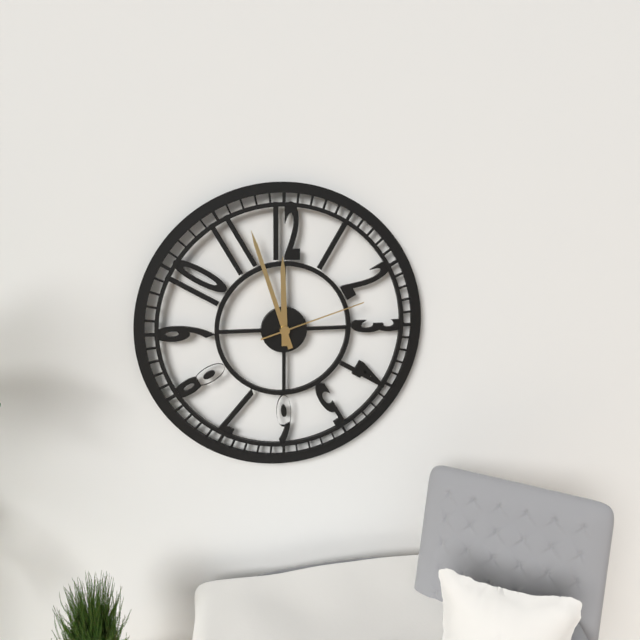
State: 11:57:12
